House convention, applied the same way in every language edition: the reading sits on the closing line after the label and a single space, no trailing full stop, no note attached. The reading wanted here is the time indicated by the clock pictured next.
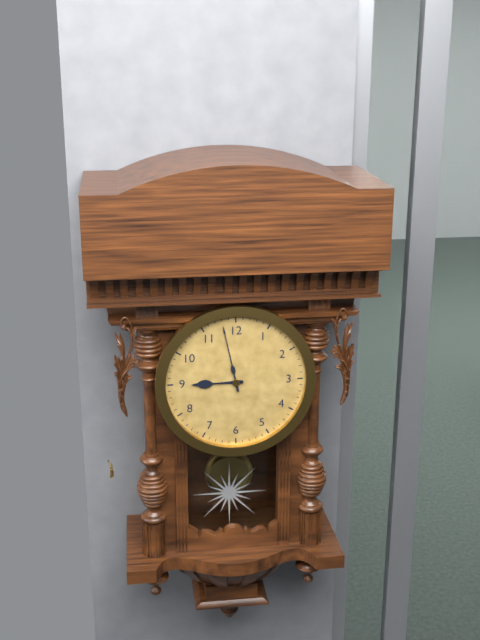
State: 8:58
